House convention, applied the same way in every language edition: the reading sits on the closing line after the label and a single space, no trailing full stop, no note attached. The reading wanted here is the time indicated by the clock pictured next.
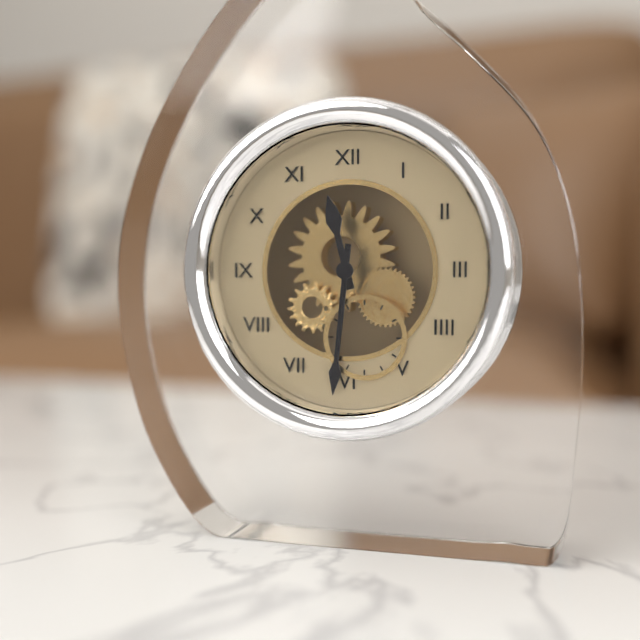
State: 11:31
